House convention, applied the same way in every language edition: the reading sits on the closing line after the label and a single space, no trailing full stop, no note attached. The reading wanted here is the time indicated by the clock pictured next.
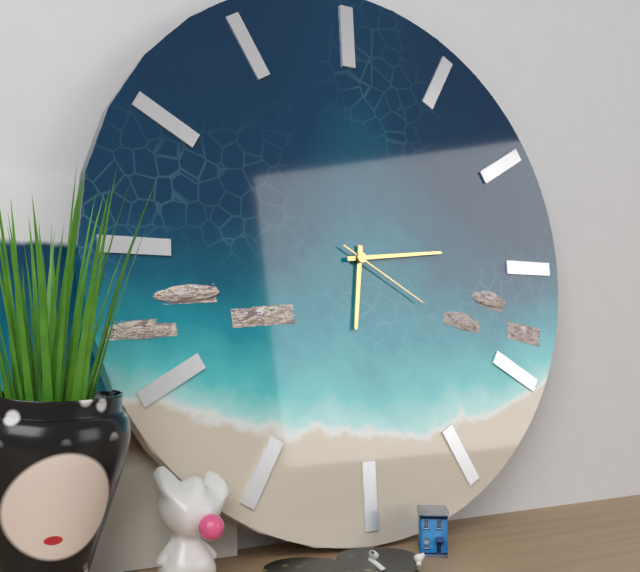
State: 6:14:20
